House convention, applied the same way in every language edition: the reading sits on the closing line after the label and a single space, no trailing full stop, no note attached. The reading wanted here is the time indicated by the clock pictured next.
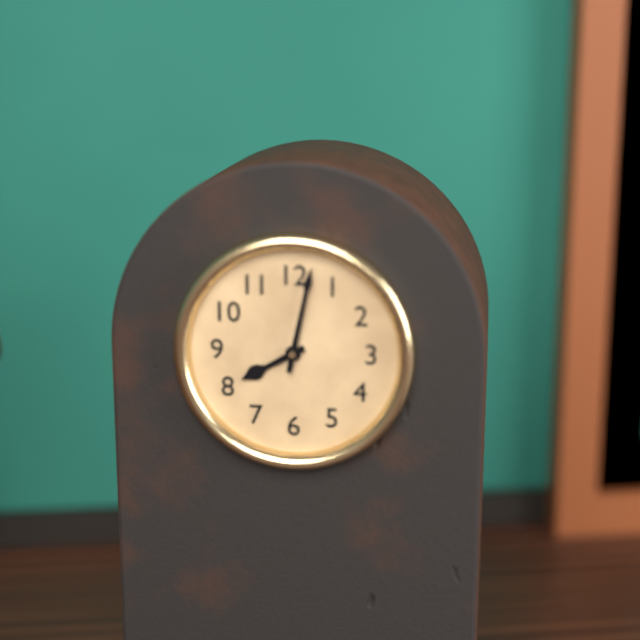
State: 8:02
